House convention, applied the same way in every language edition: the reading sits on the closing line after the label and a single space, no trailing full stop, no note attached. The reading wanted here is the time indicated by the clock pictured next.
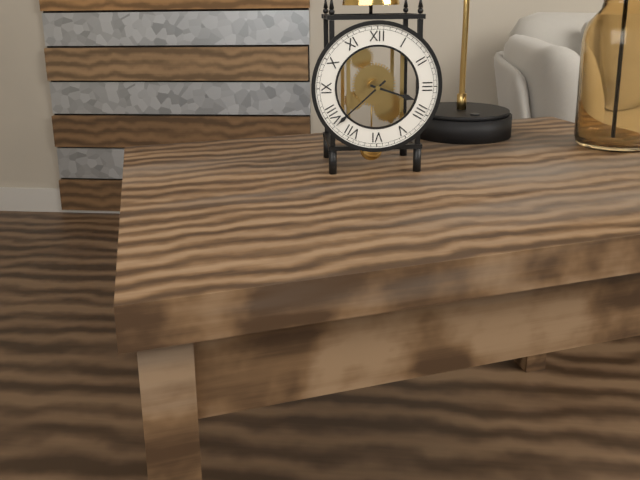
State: 3:38
